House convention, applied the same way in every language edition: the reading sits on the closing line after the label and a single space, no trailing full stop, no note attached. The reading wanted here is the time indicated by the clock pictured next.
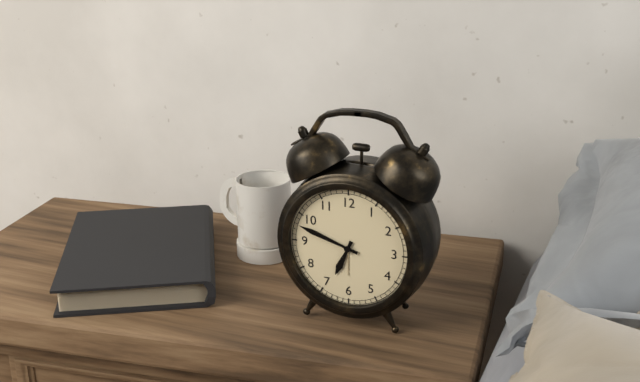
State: 6:48
